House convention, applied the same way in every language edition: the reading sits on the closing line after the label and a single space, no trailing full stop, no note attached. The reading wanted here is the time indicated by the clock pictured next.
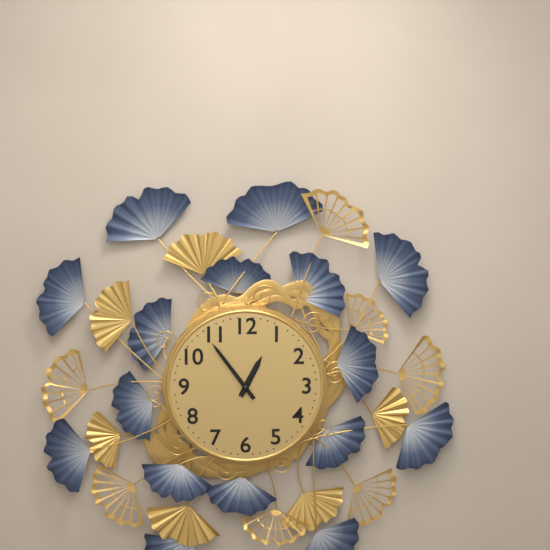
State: 12:54
